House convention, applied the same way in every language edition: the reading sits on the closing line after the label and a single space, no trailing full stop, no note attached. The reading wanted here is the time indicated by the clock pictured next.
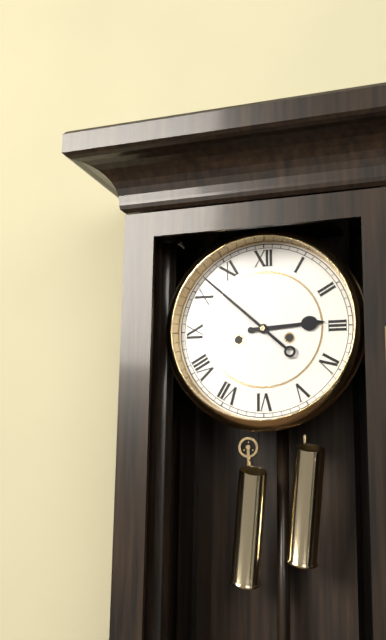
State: 2:52
